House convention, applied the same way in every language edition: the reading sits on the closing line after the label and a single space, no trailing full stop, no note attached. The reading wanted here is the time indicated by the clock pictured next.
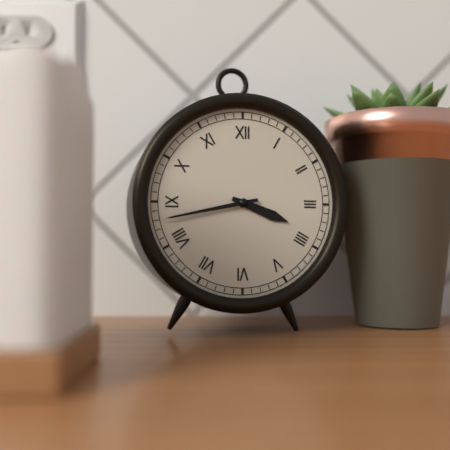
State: 3:43
